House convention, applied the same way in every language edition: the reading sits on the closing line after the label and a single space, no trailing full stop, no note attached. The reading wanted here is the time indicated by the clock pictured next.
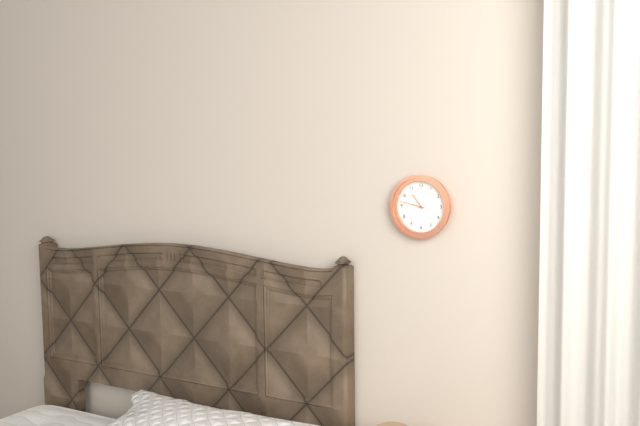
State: 10:47
